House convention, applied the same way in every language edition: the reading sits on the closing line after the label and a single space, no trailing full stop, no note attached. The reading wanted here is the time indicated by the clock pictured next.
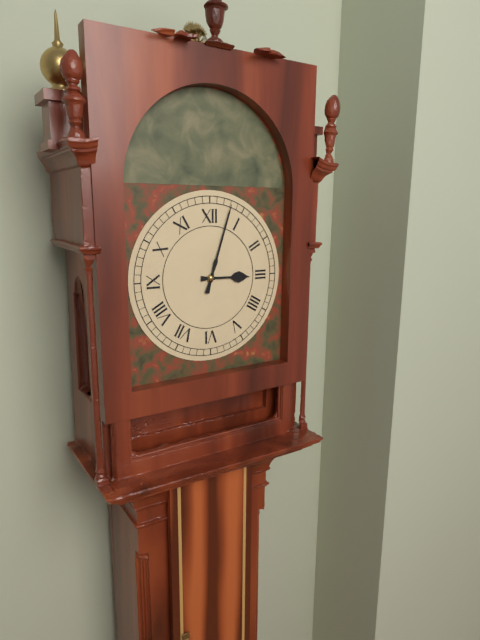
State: 3:03
